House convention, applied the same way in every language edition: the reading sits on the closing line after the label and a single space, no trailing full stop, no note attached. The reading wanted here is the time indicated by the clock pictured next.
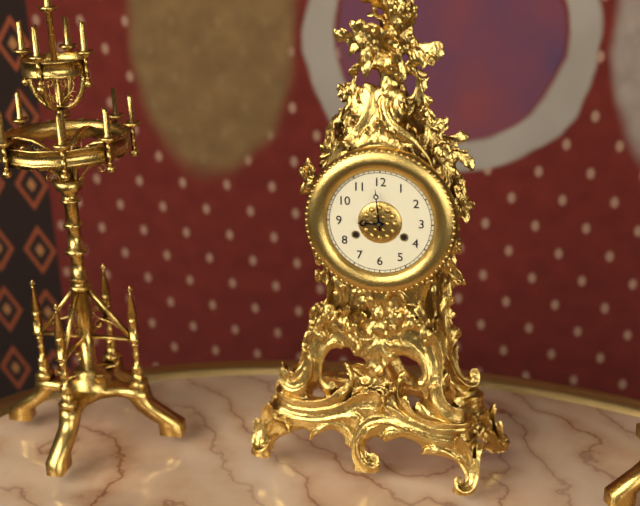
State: 8:59
